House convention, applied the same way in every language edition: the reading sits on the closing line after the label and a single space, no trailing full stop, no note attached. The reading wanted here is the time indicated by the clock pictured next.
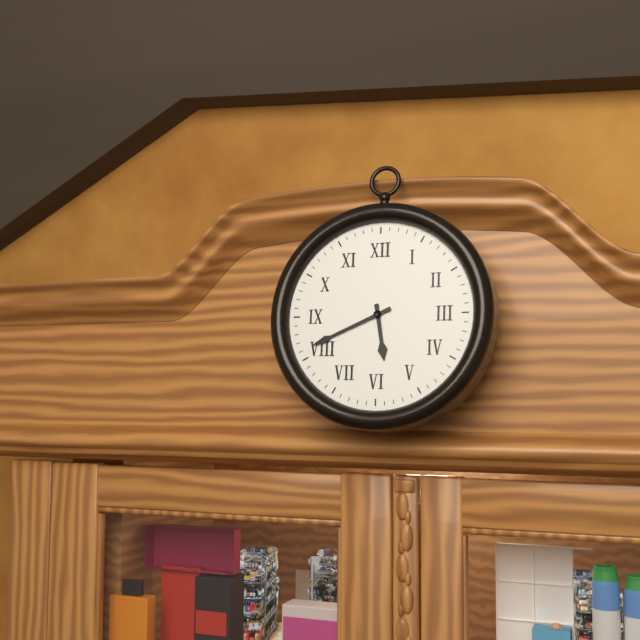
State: 5:41
